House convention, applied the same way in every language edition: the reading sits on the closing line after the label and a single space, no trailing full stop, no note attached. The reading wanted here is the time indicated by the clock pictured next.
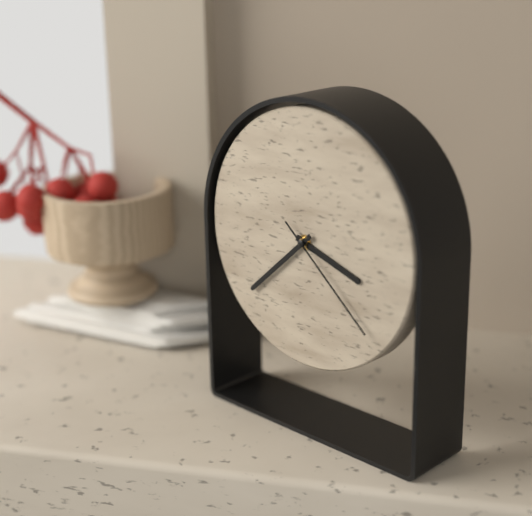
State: 3:38:22
